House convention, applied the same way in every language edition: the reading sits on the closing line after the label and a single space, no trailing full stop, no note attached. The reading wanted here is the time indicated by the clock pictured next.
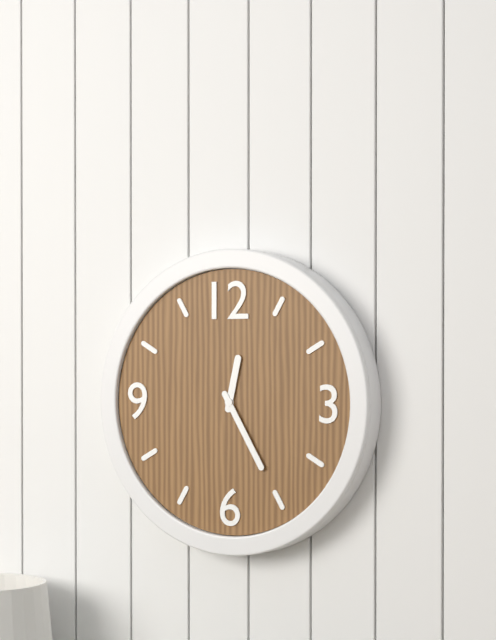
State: 12:25
